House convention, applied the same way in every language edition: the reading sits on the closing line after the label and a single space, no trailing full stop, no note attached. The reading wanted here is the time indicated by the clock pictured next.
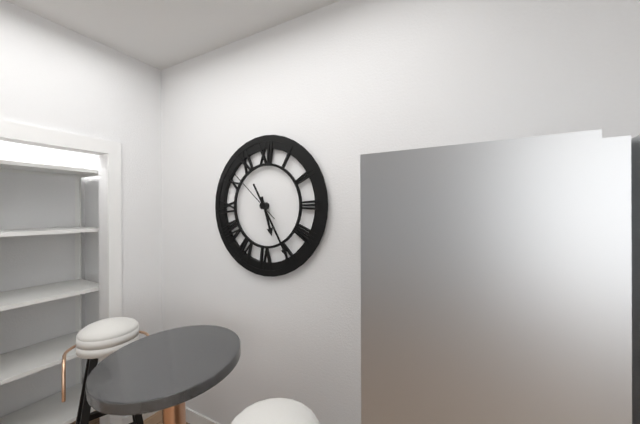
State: 5:25:52
